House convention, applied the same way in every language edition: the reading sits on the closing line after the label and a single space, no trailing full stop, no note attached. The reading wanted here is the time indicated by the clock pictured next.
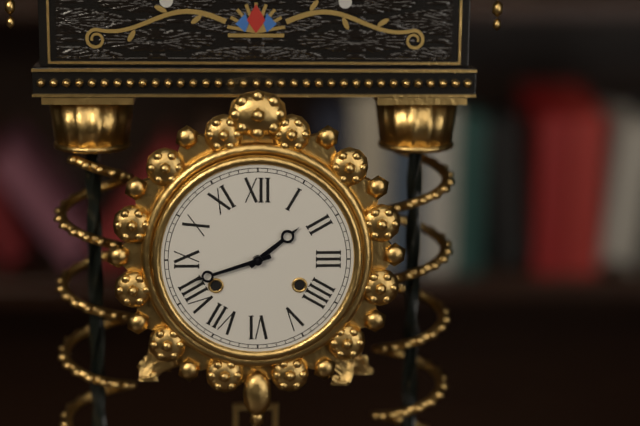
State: 1:42
